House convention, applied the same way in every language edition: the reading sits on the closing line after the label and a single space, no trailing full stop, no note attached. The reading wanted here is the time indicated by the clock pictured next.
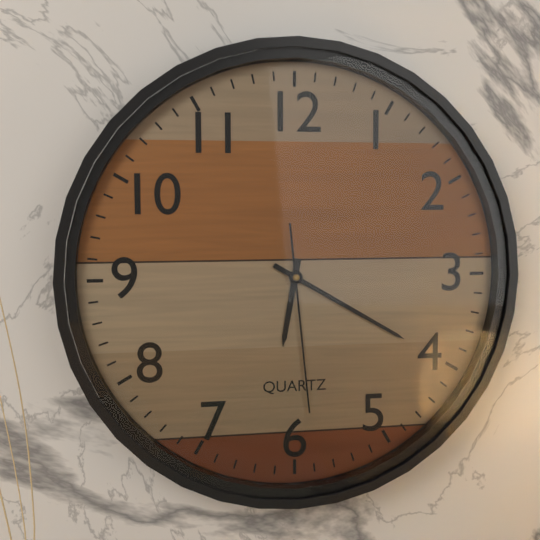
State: 6:20:29
